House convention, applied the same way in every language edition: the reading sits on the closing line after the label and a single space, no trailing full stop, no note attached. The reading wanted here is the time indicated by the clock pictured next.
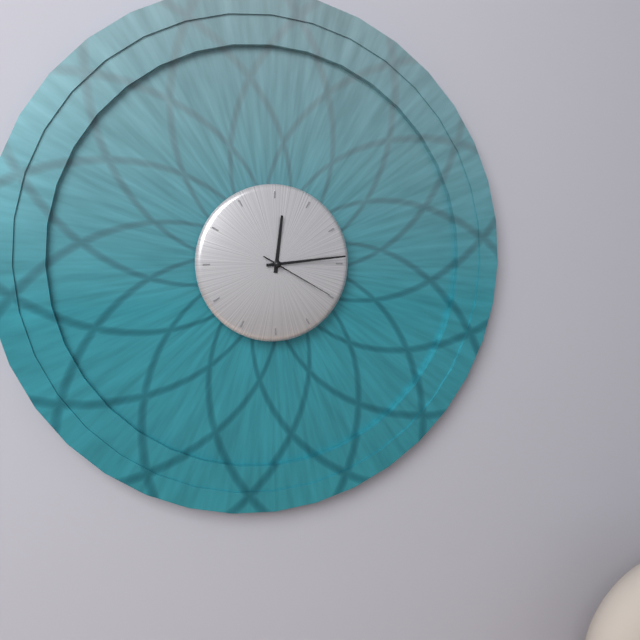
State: 12:14:20
